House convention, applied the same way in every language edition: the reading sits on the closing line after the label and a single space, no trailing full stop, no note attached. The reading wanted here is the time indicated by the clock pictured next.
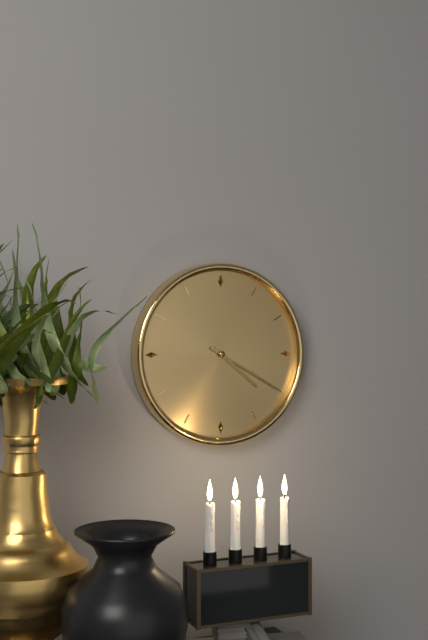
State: 4:20
